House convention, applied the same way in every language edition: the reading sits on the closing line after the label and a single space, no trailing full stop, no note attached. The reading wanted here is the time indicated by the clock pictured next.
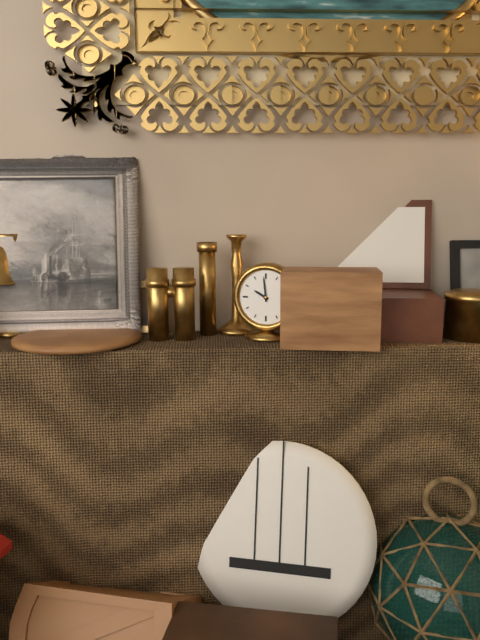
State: 9:59
